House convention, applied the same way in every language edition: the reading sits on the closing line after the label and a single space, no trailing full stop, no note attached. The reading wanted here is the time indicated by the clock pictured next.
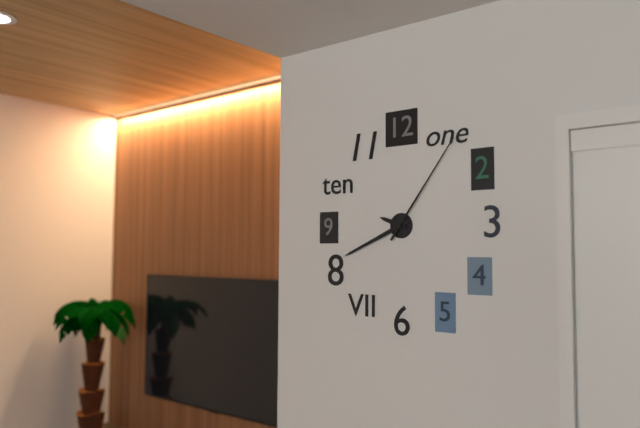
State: 9:41:06
